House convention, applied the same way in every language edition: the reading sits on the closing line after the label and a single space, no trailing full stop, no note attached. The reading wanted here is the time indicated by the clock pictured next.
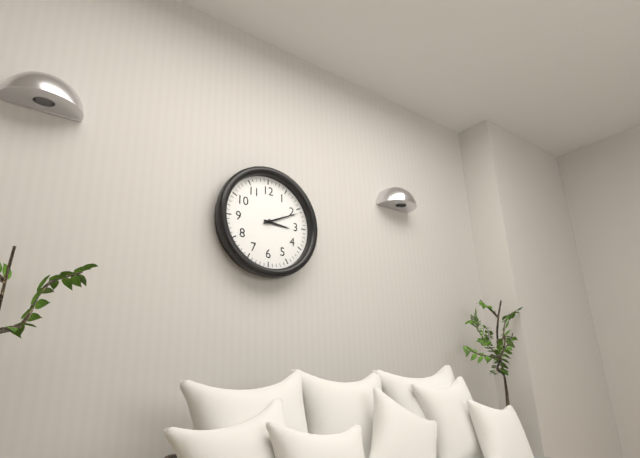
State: 3:11
